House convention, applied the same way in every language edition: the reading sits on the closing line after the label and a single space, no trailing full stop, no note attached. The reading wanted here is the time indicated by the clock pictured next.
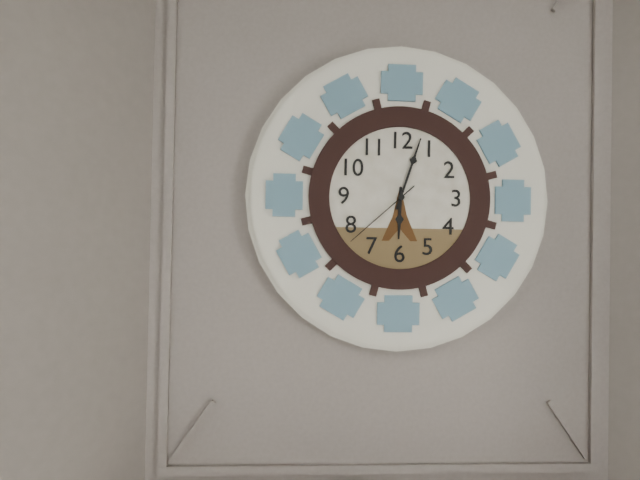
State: 6:03:38
